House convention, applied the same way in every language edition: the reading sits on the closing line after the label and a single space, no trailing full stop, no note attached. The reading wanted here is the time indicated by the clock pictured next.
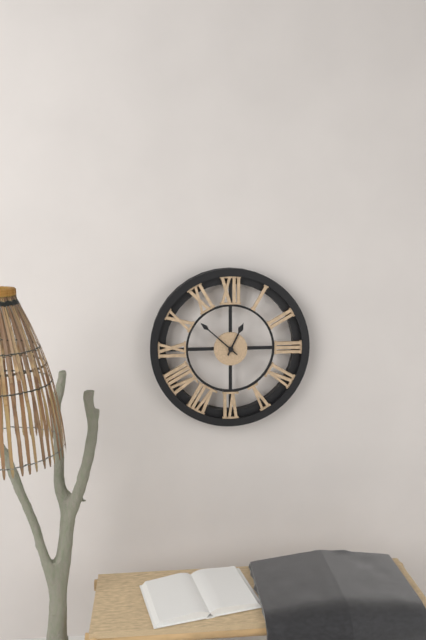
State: 12:52
